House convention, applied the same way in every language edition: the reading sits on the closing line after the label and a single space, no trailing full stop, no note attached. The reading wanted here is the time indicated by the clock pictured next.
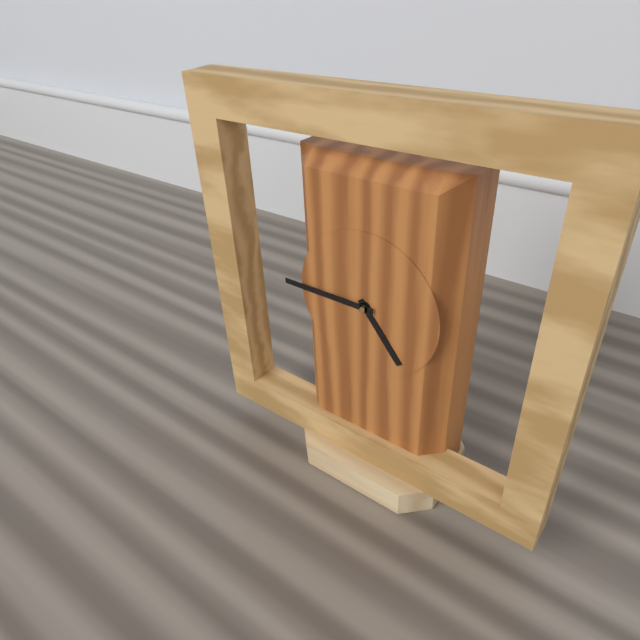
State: 4:45
